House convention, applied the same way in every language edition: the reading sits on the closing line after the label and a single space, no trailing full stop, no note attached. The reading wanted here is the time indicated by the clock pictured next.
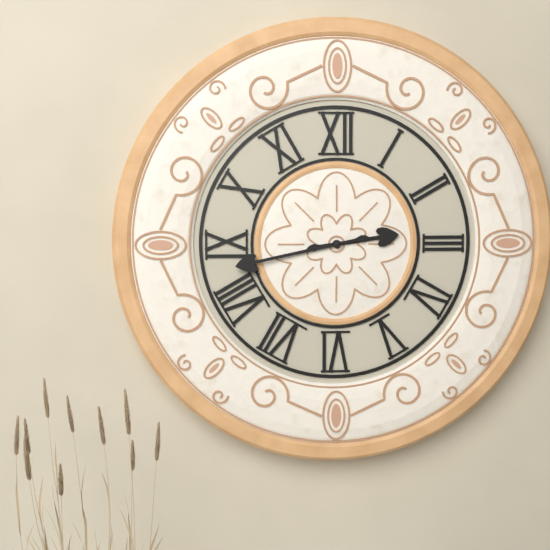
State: 2:43
